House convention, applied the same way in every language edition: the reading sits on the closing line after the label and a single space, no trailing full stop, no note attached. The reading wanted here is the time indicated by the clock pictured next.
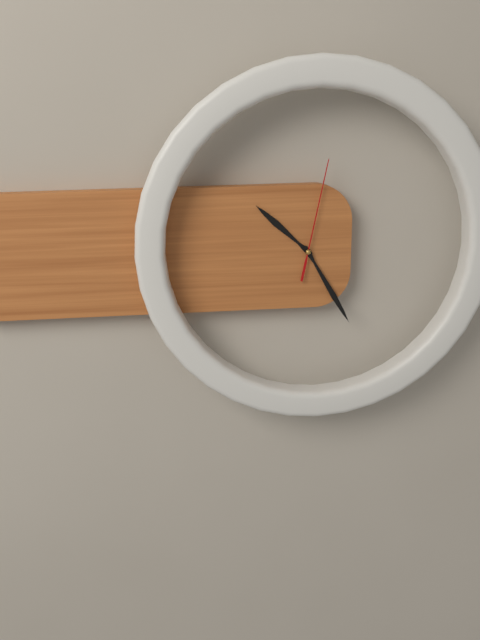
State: 10:25:02
